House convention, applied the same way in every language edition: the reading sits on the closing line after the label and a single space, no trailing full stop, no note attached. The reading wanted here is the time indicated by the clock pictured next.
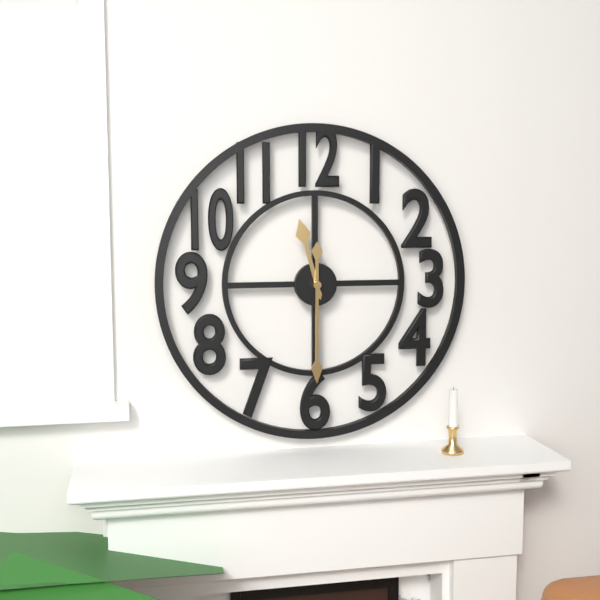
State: 11:30
